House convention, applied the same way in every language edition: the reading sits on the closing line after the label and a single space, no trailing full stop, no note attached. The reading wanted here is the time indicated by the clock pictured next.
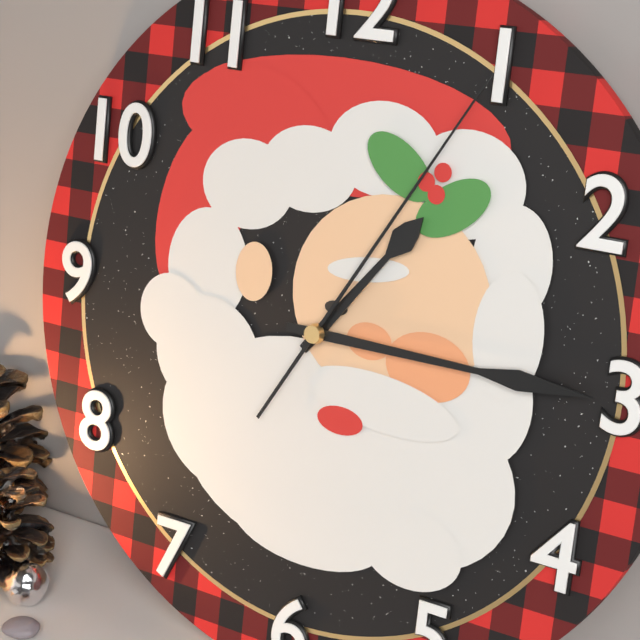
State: 1:15:05
